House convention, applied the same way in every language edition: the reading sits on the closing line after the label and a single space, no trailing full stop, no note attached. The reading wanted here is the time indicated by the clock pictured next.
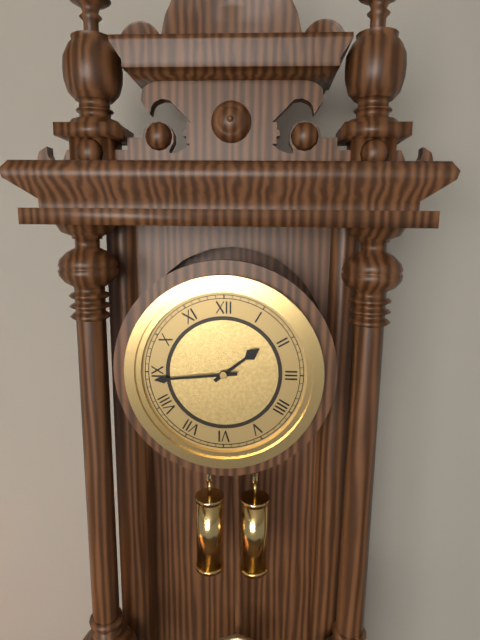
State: 1:44
